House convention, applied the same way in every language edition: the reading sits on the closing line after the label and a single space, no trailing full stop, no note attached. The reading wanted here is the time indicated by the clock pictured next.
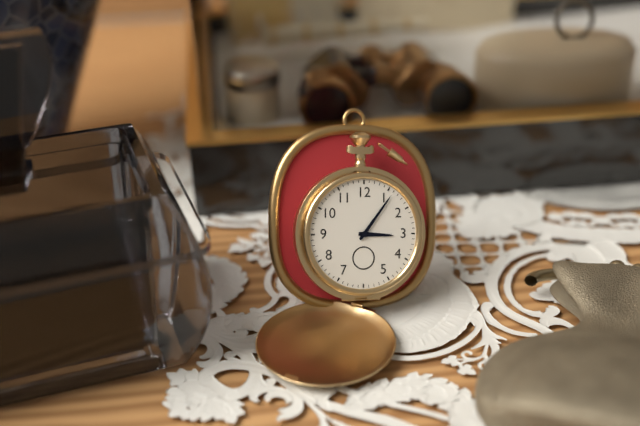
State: 3:06
